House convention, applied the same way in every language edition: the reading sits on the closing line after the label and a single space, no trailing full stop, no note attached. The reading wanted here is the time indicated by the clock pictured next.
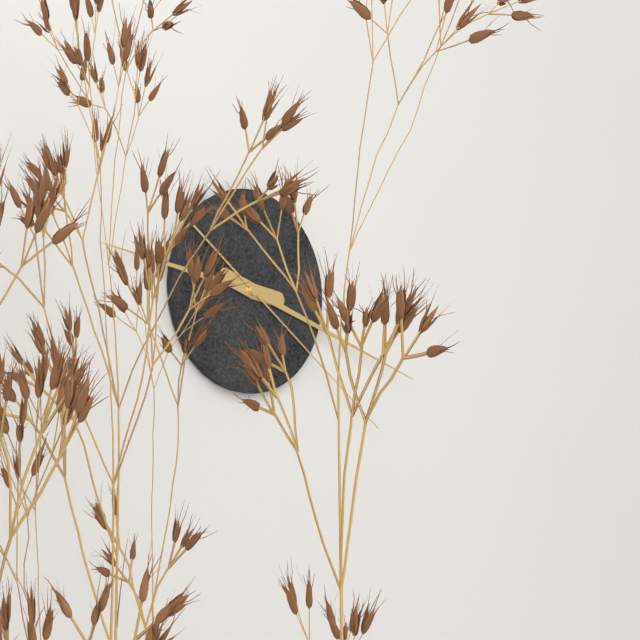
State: 9:18:21
